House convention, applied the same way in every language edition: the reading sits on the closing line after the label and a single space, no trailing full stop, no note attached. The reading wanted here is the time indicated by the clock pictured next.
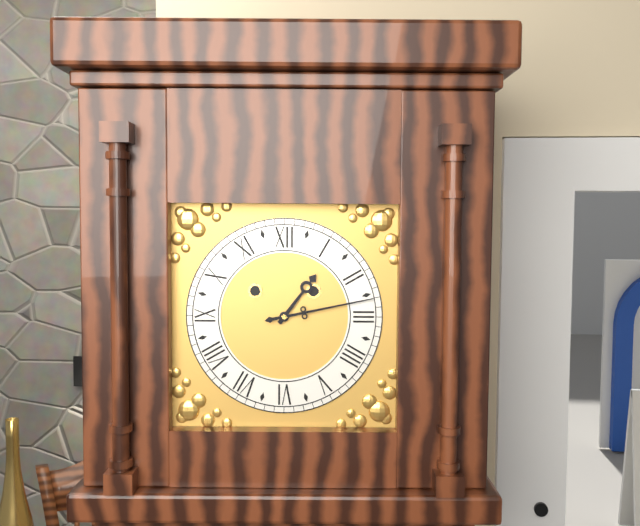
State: 1:13
